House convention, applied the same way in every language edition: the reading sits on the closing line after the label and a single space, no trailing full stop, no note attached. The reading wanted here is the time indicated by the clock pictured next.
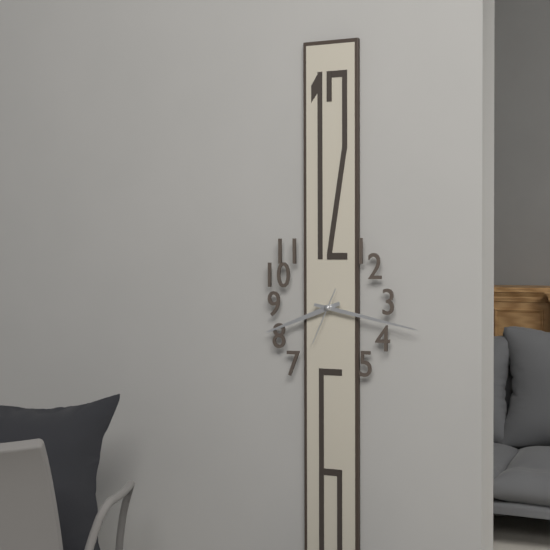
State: 8:17:34
